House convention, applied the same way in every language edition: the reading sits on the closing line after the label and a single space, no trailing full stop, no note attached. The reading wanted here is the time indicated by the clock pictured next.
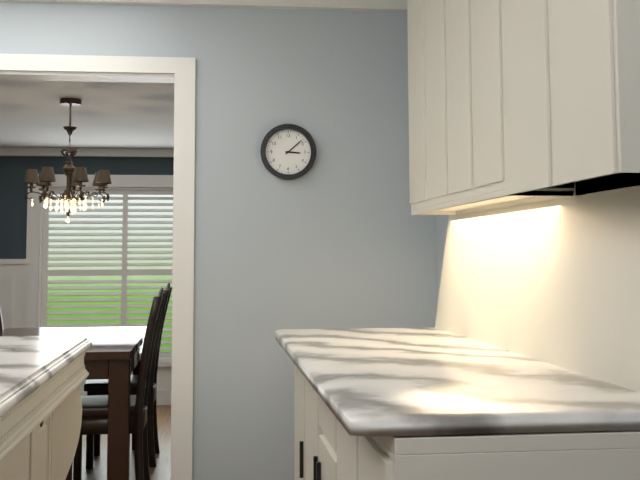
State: 3:08
